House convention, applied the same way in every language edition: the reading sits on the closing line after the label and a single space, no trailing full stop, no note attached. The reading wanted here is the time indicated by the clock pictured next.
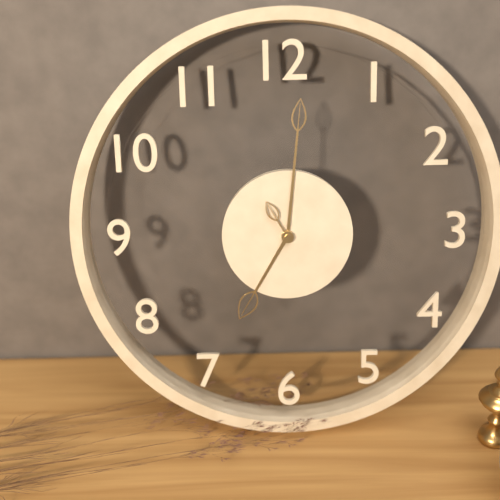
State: 7:01:55
